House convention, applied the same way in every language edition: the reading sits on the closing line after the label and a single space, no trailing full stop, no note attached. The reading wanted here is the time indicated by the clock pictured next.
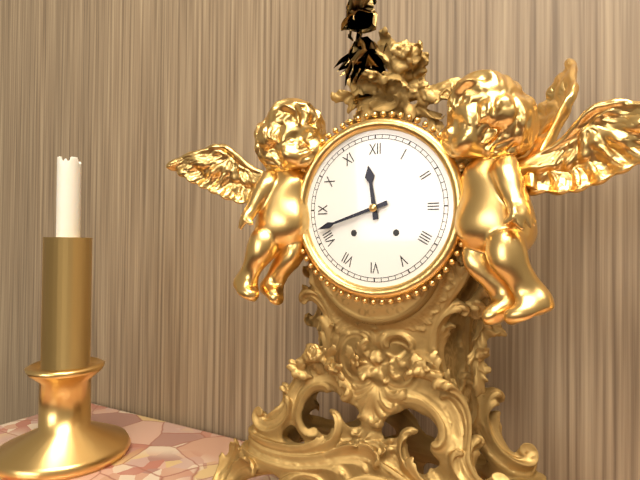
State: 11:42
